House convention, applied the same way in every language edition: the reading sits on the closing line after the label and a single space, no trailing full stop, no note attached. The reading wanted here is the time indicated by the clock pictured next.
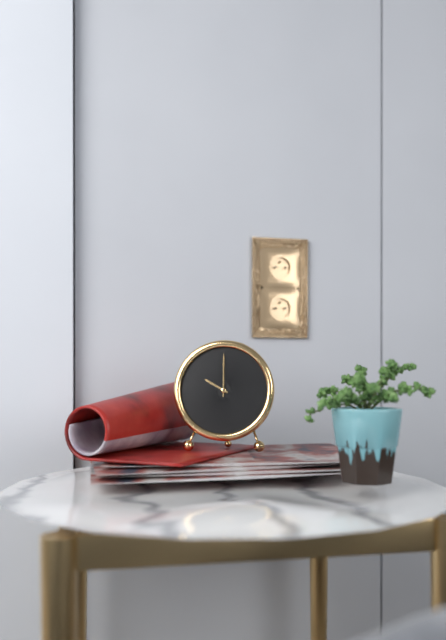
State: 10:00
